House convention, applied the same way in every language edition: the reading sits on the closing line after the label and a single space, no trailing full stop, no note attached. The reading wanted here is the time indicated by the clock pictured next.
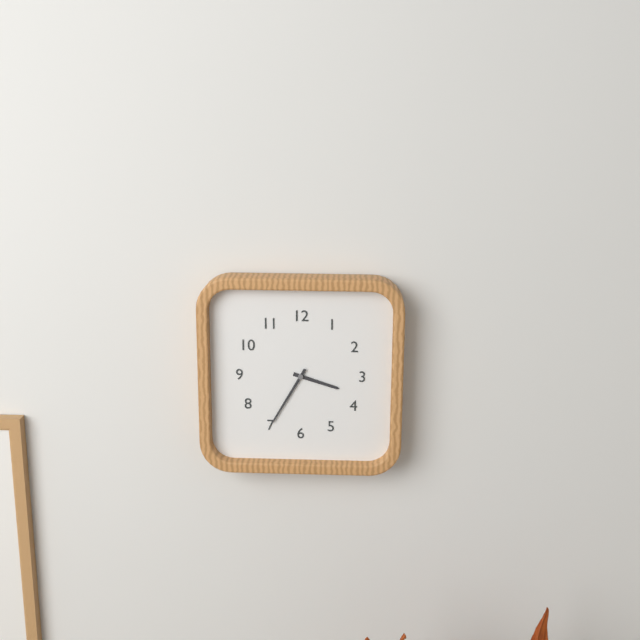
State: 3:35
